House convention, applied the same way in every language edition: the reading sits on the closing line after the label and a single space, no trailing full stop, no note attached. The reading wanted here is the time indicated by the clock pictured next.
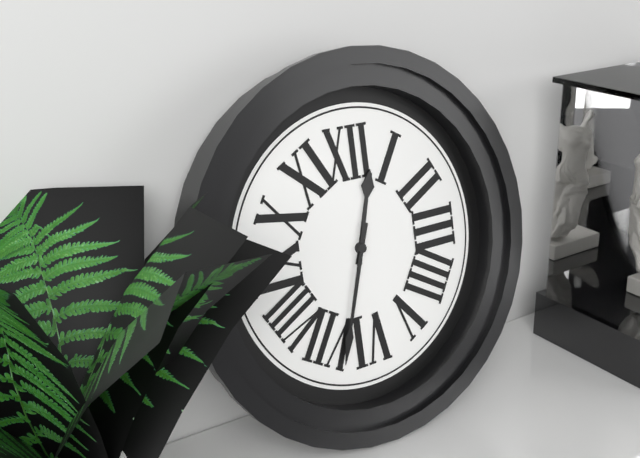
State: 12:33
